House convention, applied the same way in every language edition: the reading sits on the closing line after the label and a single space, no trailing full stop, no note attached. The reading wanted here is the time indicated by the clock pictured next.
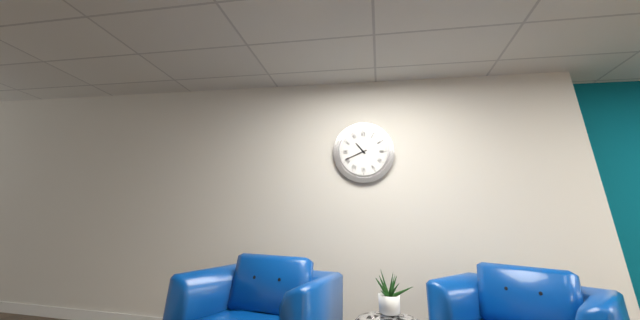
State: 10:41
